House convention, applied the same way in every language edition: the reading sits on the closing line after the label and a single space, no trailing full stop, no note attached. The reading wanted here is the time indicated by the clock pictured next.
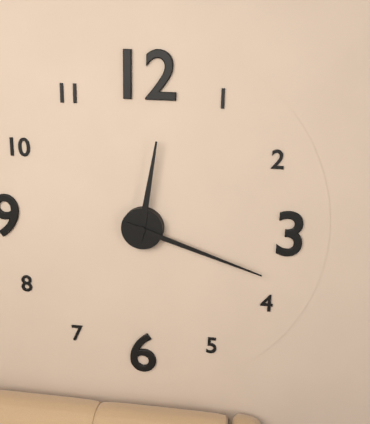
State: 12:18
